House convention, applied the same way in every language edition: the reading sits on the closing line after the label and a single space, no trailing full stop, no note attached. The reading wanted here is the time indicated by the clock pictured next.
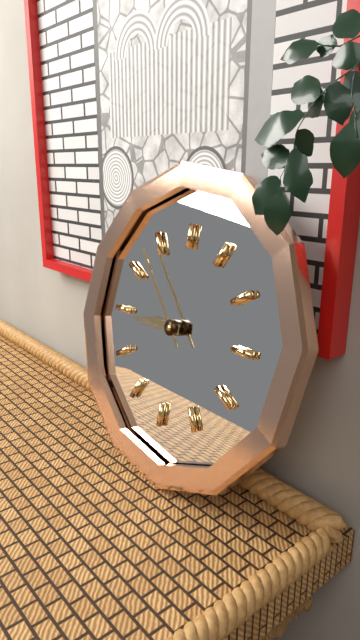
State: 8:53
